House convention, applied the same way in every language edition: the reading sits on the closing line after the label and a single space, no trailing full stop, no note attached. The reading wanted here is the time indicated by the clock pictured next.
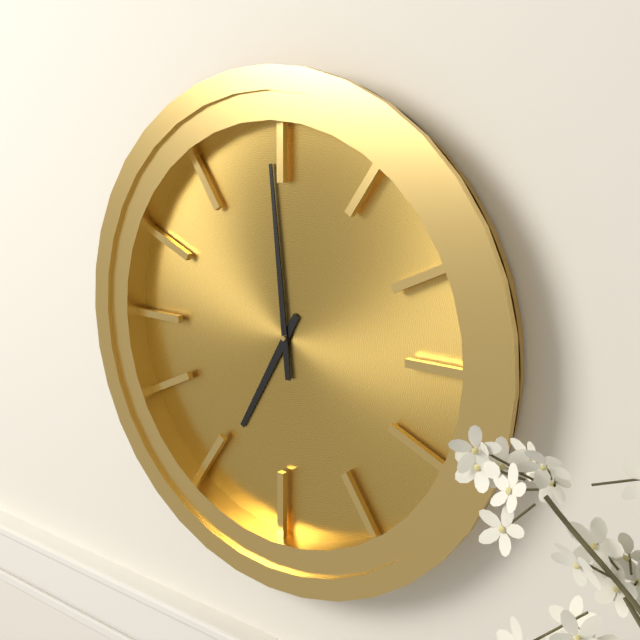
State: 6:59
